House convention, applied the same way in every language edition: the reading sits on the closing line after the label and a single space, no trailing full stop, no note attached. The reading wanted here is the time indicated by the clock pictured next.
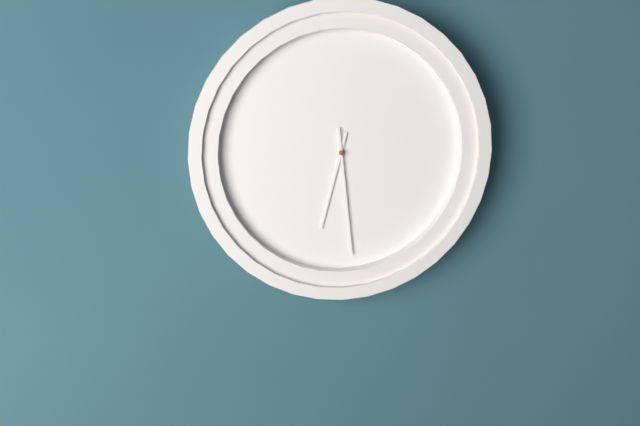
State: 6:29
